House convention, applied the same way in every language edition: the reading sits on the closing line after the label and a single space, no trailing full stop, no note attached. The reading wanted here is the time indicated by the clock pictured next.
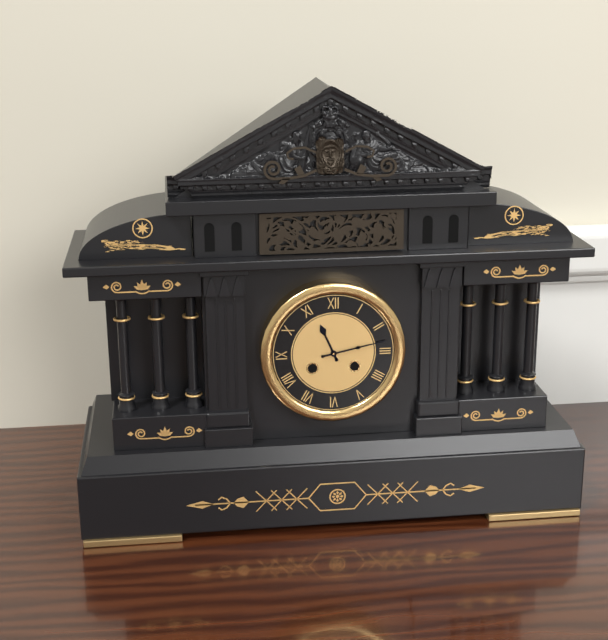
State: 11:13
